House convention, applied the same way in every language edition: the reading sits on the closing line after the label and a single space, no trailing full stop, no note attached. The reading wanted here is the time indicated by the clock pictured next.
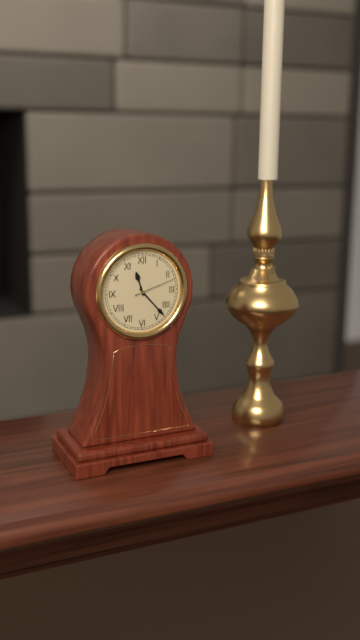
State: 11:23:12
